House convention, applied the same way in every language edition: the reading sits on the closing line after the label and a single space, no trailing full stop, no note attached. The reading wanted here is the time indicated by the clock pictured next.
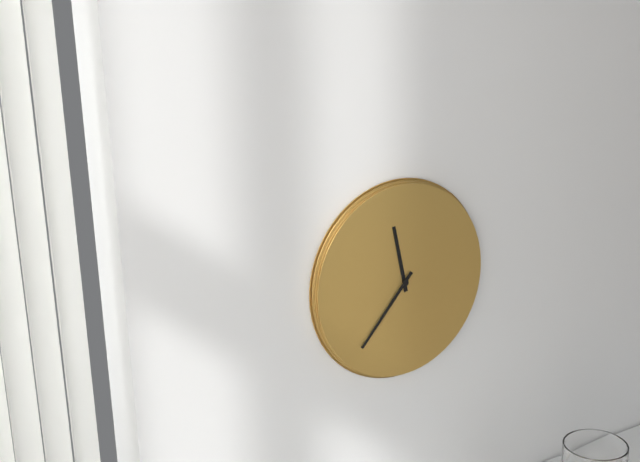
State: 11:37
